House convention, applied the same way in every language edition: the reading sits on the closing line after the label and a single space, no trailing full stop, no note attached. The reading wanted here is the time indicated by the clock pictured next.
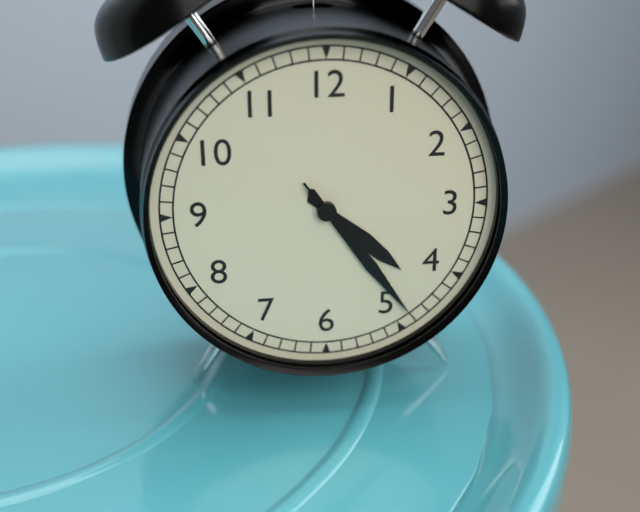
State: 4:24:24
